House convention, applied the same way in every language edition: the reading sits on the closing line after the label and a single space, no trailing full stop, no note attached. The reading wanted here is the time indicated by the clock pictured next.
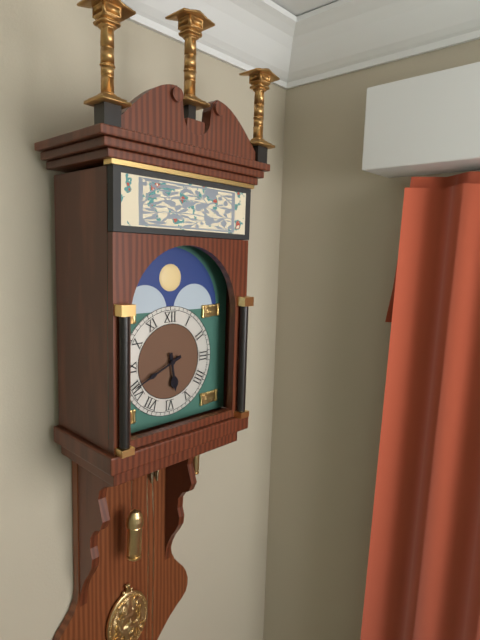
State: 5:41
